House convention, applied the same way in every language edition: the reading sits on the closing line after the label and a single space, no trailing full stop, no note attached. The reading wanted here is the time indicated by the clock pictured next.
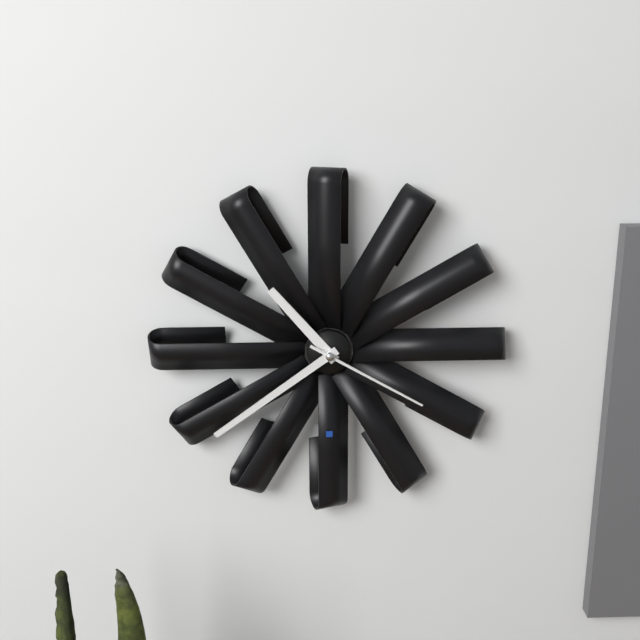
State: 10:39:20
